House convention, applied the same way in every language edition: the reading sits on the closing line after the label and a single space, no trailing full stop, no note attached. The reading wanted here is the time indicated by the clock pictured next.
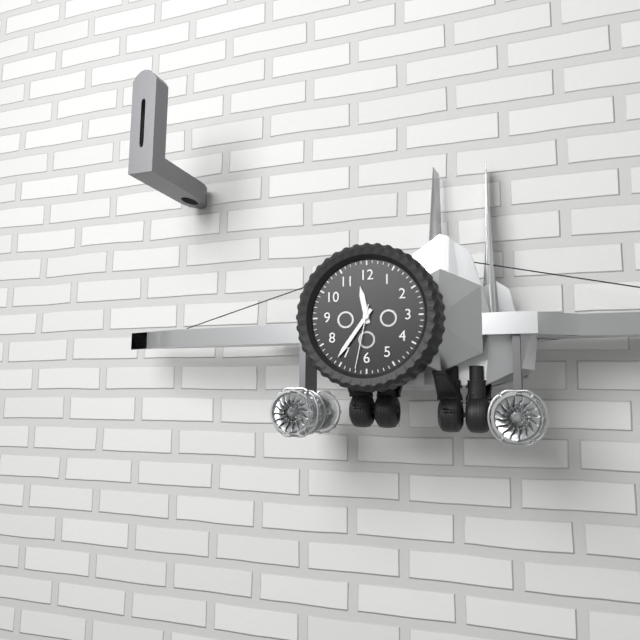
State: 11:36:32
